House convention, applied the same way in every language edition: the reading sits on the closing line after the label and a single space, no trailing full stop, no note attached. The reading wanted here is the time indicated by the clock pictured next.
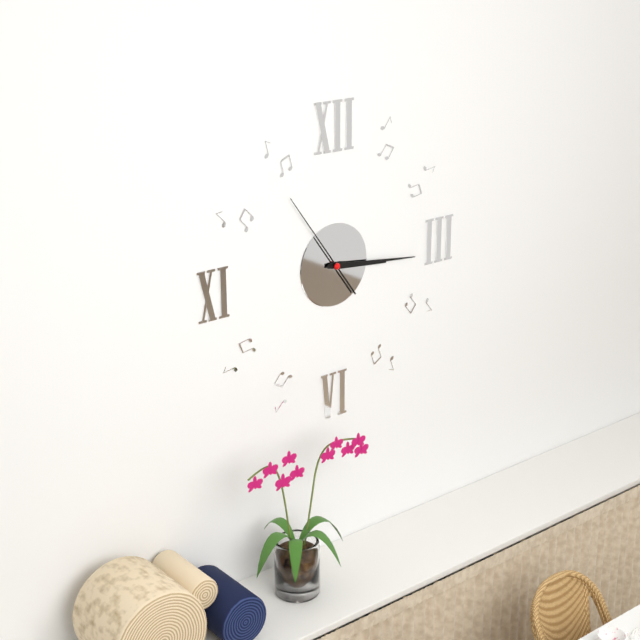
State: 3:16:54
